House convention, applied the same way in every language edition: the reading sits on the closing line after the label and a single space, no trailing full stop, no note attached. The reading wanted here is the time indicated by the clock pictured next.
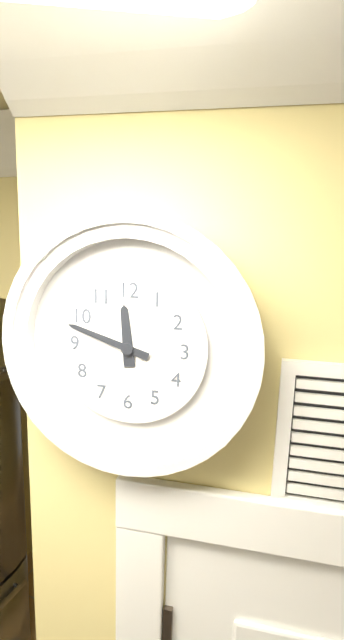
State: 11:48
